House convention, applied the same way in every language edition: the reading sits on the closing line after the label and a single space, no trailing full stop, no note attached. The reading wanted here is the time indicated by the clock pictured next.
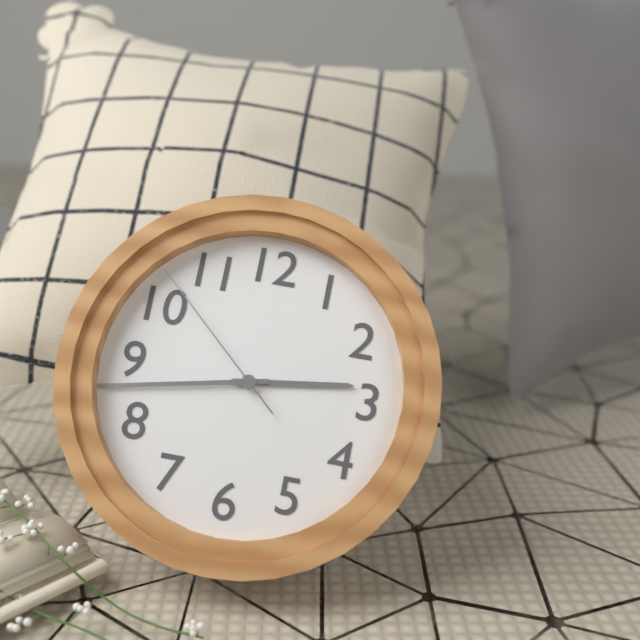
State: 2:43:52
